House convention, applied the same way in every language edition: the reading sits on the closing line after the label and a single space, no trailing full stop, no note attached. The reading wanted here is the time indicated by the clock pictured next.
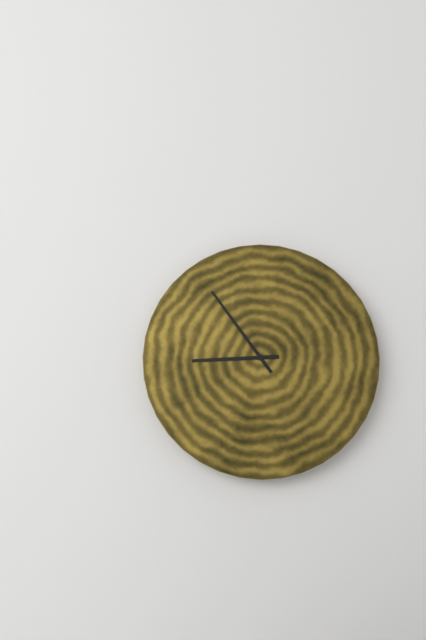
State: 8:54
